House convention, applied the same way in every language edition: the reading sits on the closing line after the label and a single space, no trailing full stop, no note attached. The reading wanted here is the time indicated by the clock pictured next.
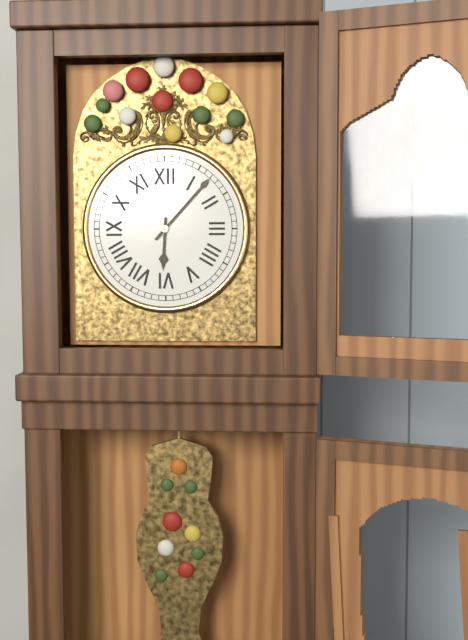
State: 6:07
